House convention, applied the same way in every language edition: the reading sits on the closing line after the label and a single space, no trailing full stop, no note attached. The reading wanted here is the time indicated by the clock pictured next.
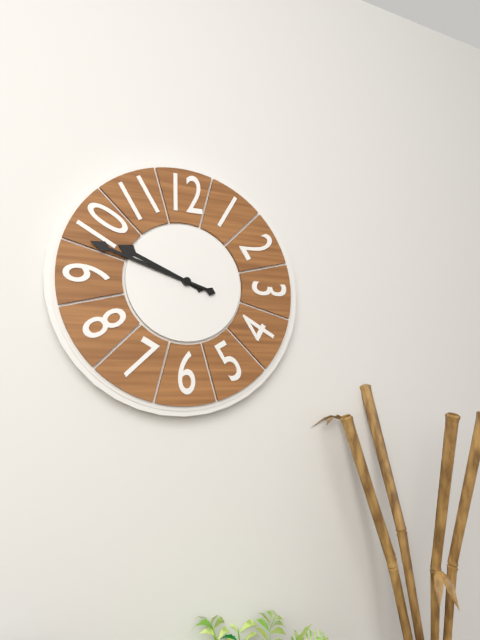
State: 9:48
